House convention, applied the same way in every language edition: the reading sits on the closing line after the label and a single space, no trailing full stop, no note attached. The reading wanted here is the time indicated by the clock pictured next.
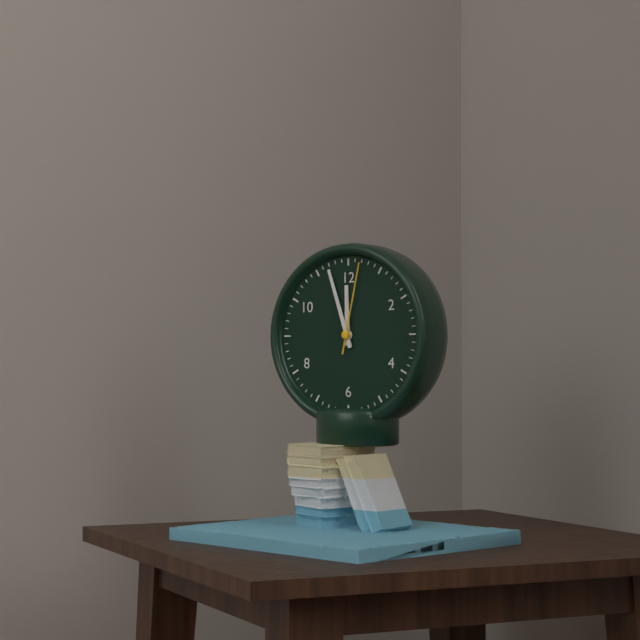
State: 11:57:02
